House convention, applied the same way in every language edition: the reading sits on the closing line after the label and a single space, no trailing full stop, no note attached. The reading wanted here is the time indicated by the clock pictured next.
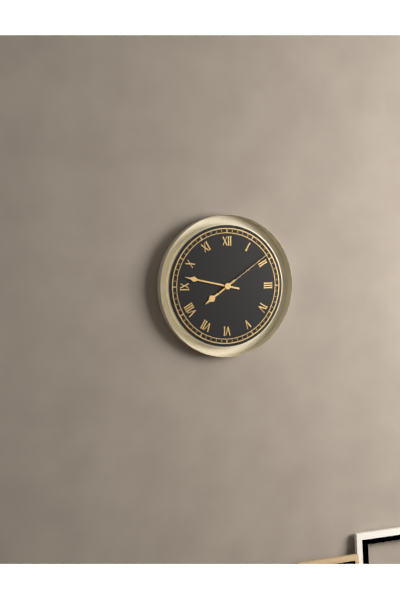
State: 7:47:09
